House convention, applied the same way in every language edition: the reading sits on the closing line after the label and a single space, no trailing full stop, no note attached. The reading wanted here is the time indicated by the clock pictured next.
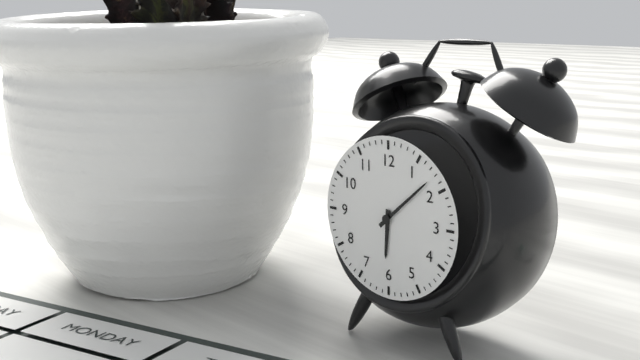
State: 6:08
